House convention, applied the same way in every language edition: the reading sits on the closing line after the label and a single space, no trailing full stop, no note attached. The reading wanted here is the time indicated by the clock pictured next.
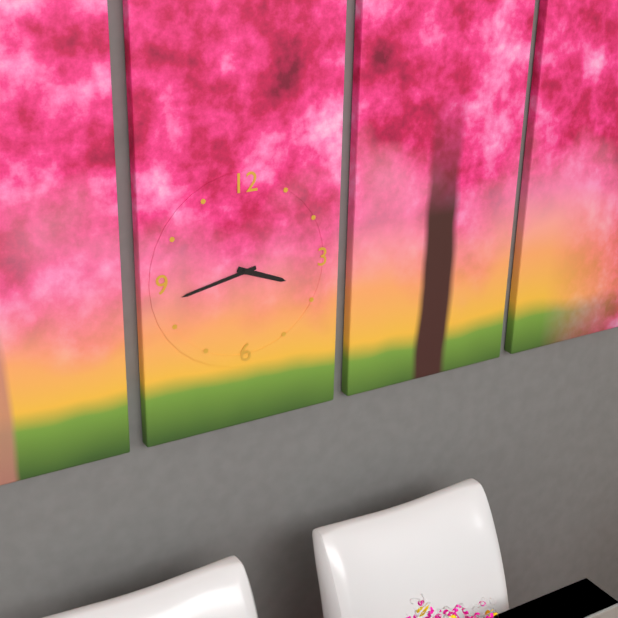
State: 3:43
